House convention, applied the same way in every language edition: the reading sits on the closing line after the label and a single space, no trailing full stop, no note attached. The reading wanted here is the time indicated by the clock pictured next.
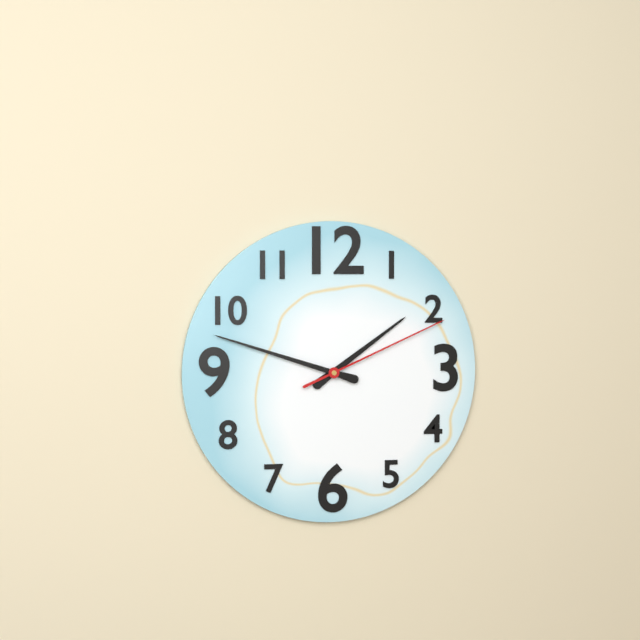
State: 1:48:11
